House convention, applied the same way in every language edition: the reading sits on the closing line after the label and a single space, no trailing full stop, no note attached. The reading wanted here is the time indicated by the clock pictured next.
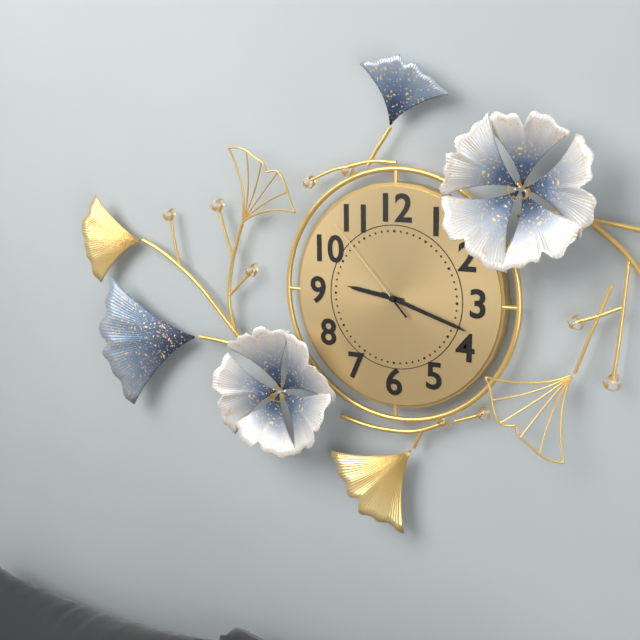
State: 9:18:53
